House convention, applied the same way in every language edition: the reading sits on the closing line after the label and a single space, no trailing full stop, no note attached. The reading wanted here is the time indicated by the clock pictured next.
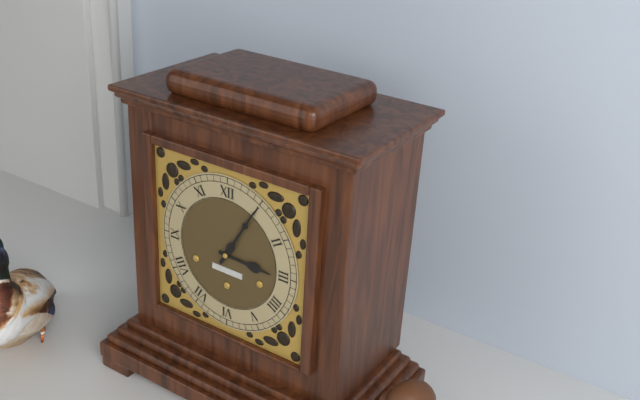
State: 3:05
